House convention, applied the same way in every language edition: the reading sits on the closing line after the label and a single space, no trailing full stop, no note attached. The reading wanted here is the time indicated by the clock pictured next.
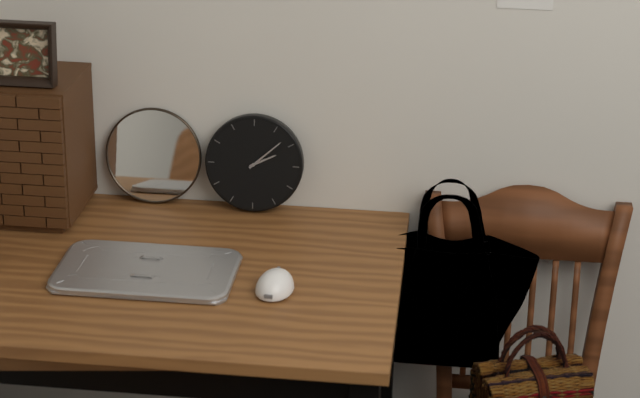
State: 2:08
